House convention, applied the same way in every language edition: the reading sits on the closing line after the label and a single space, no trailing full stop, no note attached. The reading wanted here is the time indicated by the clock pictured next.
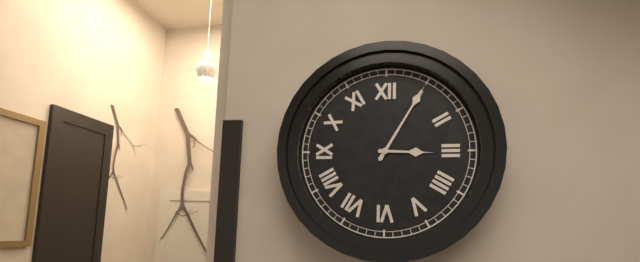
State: 3:05
